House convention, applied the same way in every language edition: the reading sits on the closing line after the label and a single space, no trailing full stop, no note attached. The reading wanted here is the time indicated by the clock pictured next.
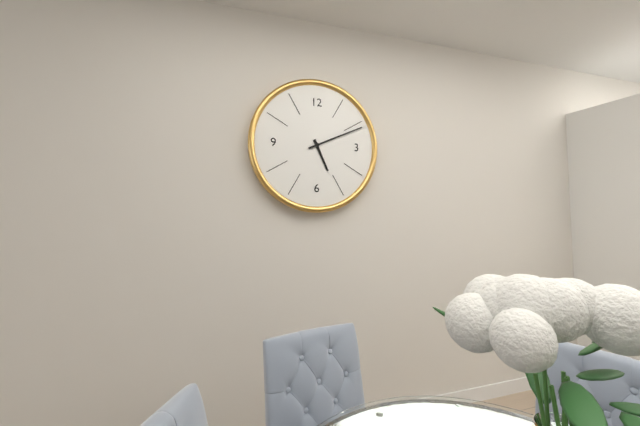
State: 5:11
